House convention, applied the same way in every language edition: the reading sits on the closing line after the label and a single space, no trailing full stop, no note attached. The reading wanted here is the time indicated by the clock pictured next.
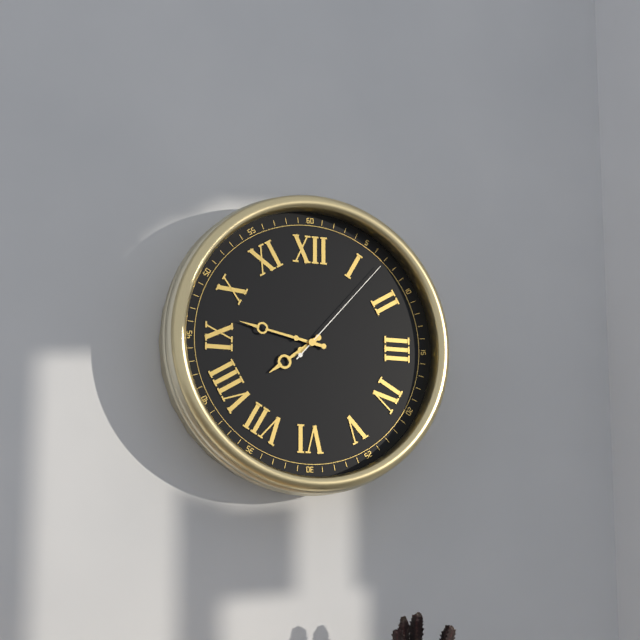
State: 7:47:07
